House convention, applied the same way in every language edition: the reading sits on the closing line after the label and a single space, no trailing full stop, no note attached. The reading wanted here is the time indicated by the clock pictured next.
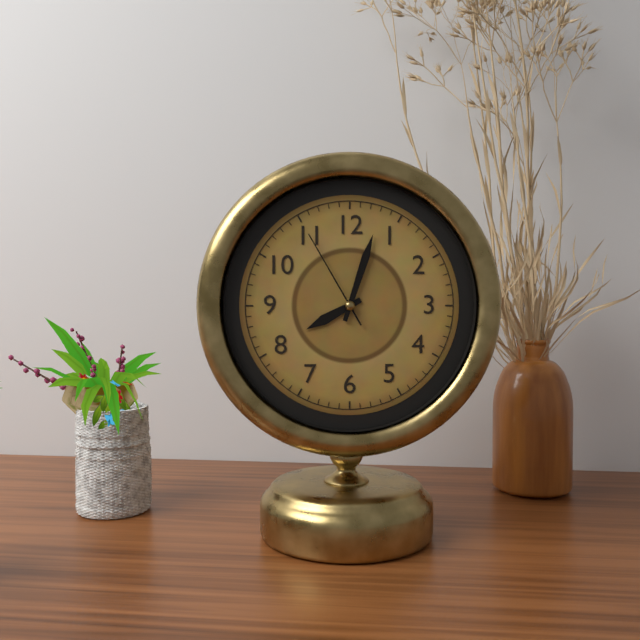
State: 8:03:55
